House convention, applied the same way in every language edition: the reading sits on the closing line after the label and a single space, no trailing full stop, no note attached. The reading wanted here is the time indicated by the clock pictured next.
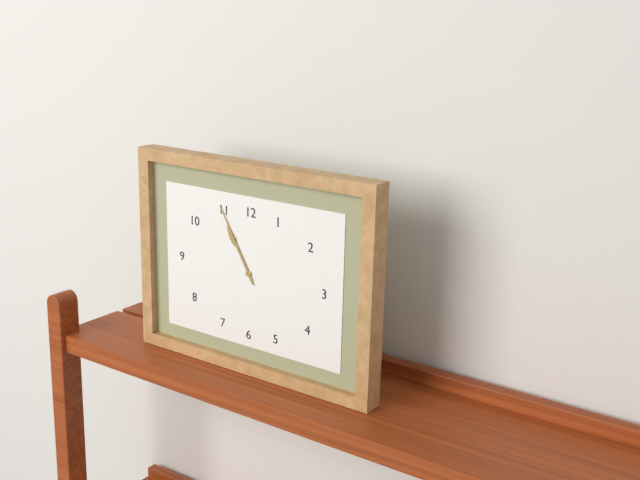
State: 10:55
